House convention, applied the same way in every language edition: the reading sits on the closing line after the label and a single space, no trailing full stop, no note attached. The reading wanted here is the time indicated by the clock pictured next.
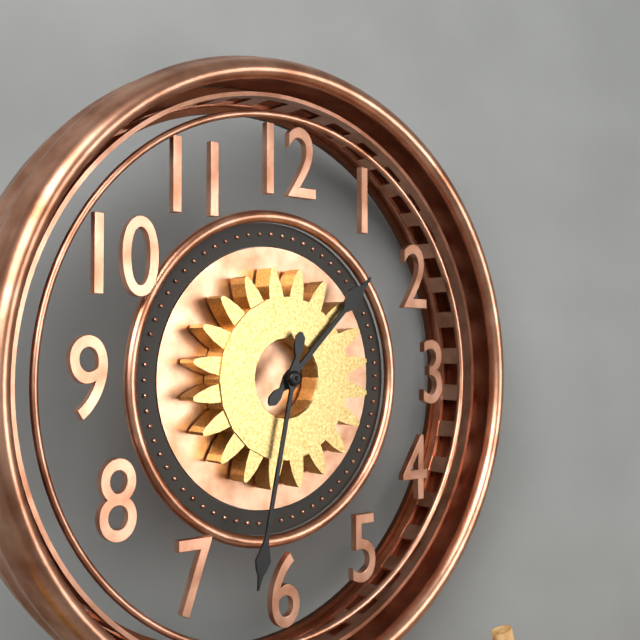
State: 1:32
